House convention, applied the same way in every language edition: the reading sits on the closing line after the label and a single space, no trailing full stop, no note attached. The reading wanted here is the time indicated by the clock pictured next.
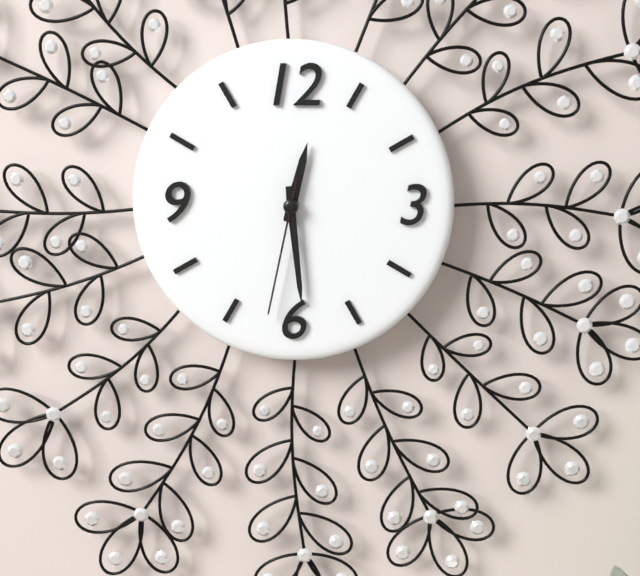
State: 12:29:32
